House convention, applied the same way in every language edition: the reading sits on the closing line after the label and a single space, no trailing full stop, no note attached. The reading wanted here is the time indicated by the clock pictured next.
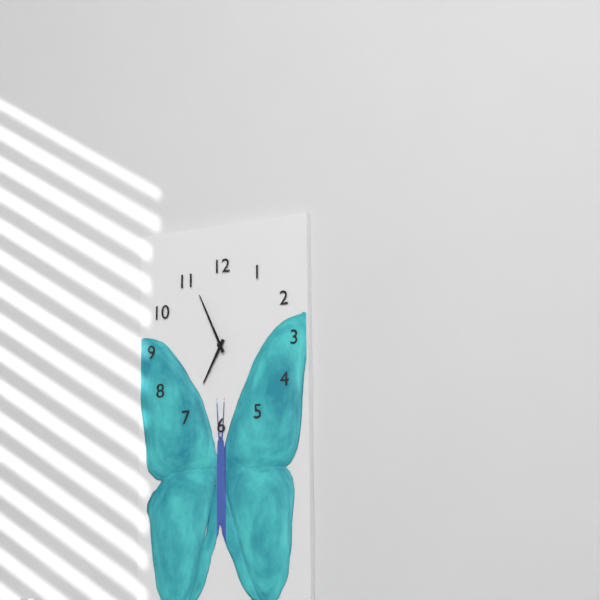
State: 6:56
